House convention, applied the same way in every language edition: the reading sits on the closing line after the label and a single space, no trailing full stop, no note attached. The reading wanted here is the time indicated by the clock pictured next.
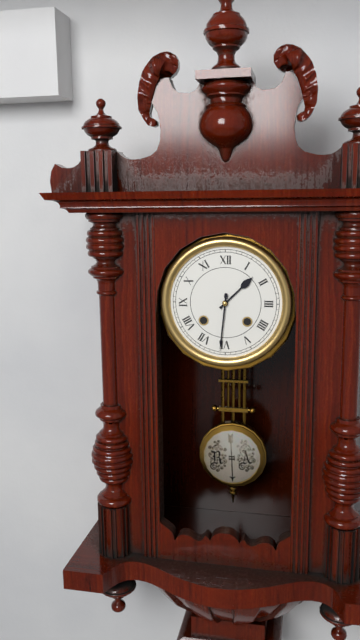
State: 1:31
